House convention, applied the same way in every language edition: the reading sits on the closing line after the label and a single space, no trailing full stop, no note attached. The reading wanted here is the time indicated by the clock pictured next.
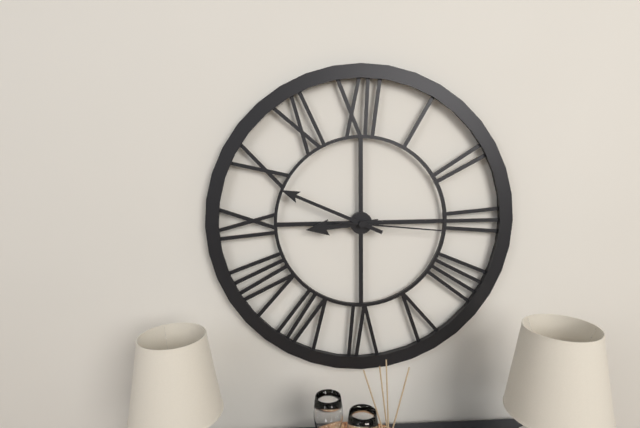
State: 8:49:16
